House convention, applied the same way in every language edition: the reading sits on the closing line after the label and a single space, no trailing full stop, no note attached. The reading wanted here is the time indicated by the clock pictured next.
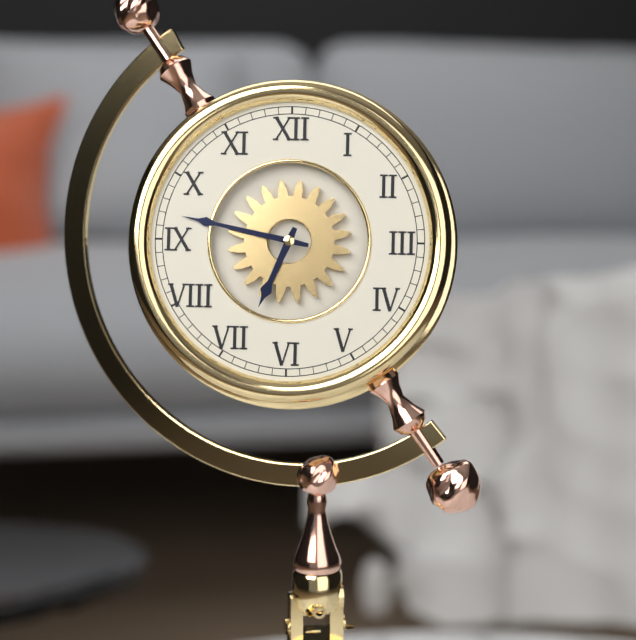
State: 6:47
